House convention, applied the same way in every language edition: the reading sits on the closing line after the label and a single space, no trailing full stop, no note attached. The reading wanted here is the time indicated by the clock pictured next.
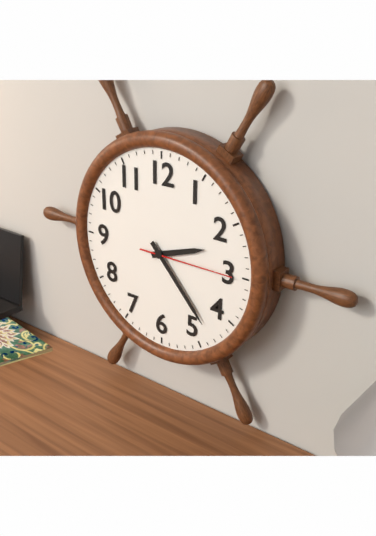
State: 2:23:15
